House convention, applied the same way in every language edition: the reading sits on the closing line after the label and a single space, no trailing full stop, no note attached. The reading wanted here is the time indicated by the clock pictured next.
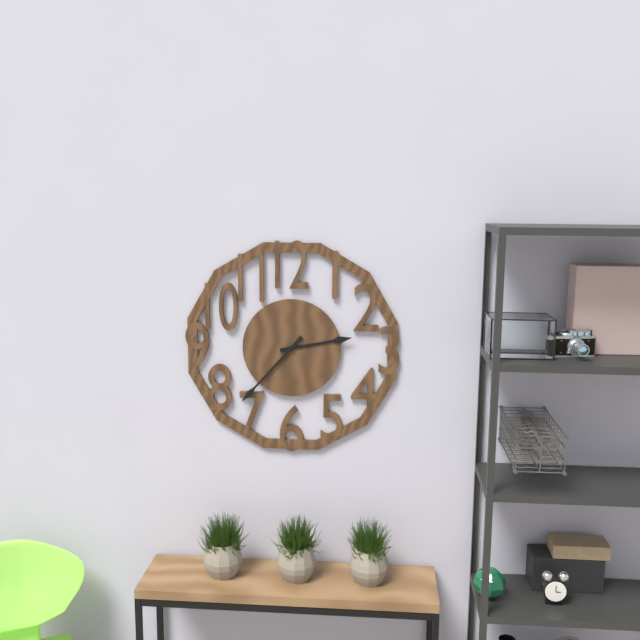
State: 2:37
